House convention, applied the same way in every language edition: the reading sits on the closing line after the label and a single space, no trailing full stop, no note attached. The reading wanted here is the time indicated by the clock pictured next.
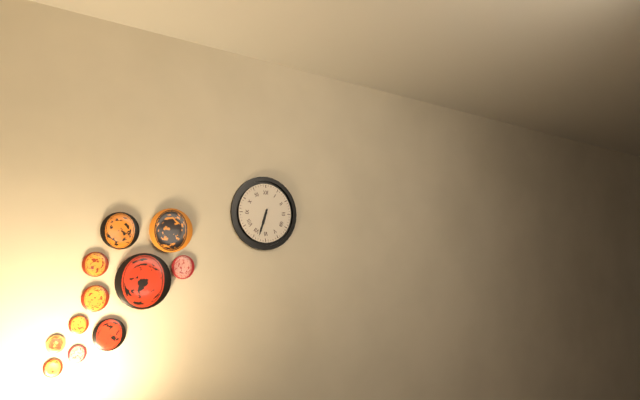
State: 6:33
